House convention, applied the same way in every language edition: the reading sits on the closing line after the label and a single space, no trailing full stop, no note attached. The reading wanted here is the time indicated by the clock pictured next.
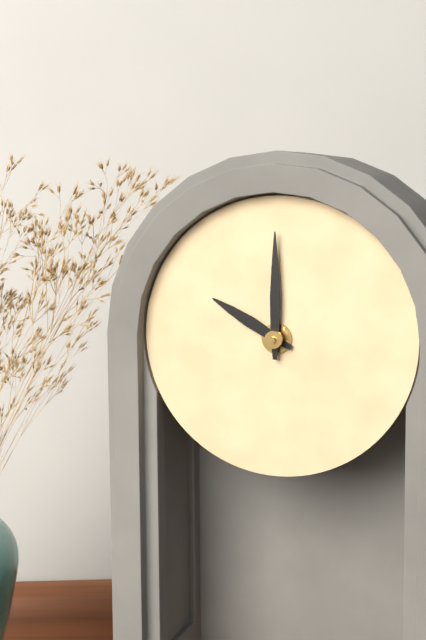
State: 10:00
